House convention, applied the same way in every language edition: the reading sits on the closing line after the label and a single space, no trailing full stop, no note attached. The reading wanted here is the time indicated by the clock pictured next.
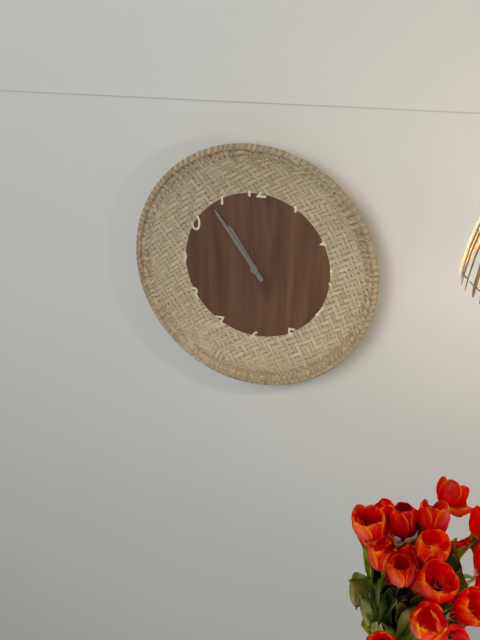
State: 10:54
